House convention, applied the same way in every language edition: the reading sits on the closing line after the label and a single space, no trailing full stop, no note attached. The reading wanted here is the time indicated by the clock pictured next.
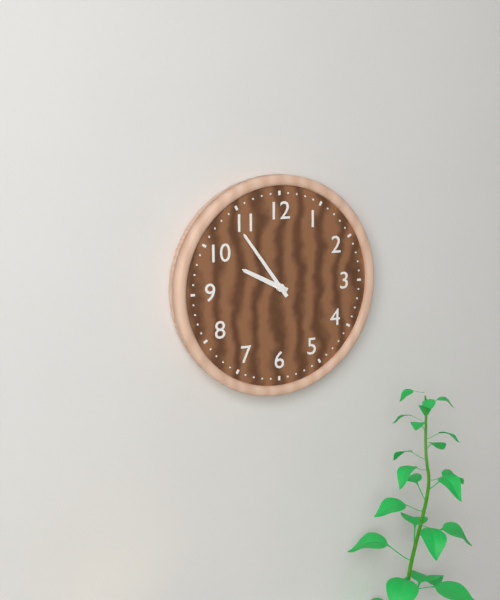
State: 9:54
